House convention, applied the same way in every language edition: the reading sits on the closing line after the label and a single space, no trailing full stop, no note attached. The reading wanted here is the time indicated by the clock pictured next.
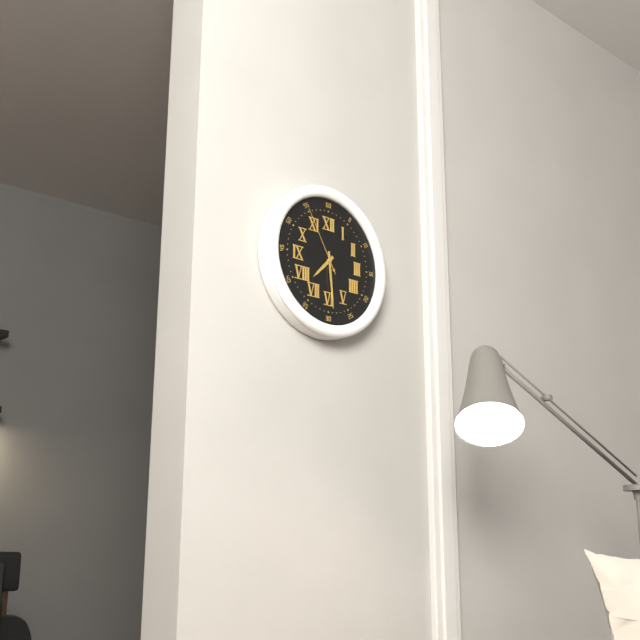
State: 7:29:55
